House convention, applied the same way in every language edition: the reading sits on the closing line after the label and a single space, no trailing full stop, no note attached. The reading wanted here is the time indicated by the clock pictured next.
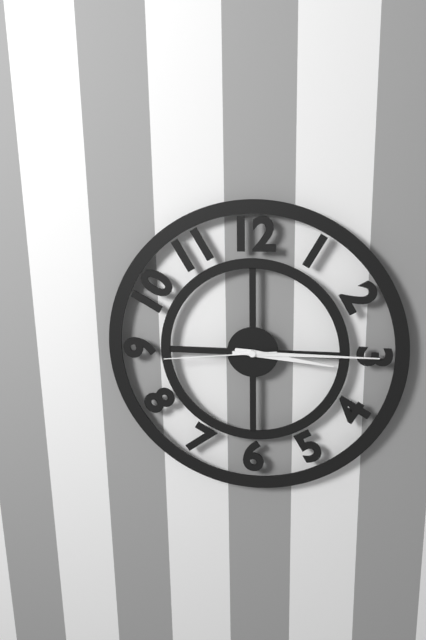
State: 3:15:44
